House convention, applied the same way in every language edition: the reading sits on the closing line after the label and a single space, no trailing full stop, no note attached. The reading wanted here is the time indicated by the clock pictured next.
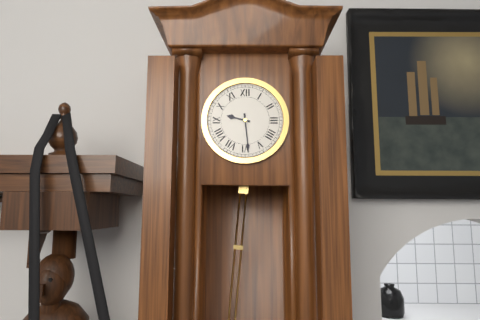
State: 9:29
